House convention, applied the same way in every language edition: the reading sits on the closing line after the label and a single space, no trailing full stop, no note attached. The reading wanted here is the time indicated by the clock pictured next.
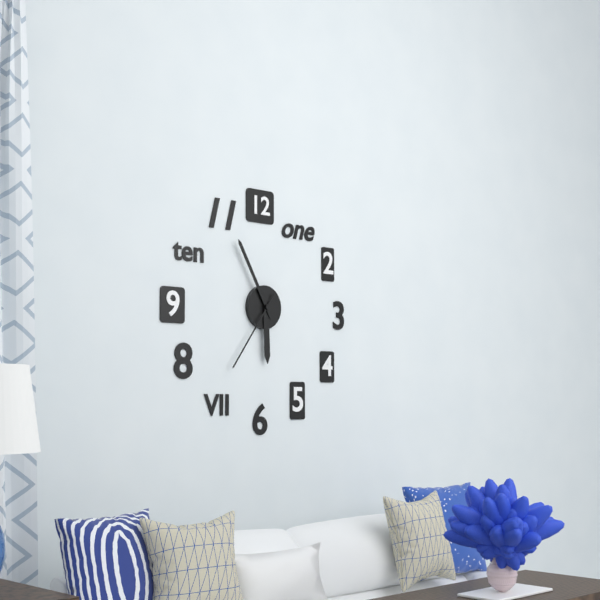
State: 5:55:36
